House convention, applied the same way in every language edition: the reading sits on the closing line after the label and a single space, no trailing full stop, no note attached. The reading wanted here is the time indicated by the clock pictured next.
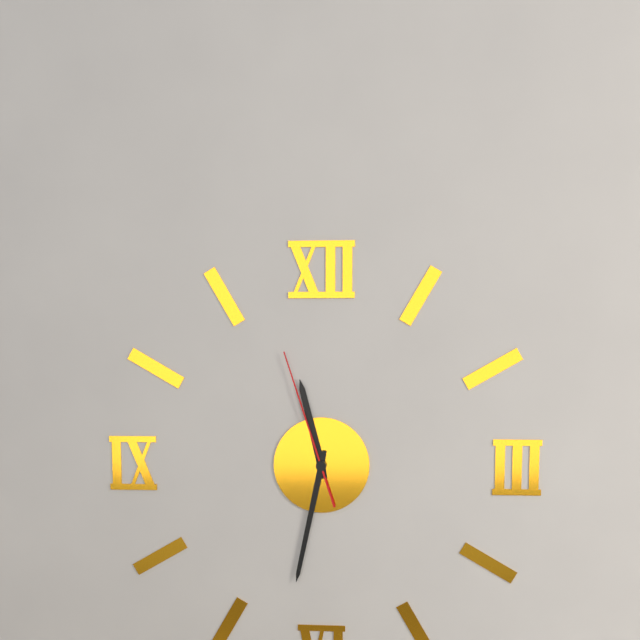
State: 11:32:57
